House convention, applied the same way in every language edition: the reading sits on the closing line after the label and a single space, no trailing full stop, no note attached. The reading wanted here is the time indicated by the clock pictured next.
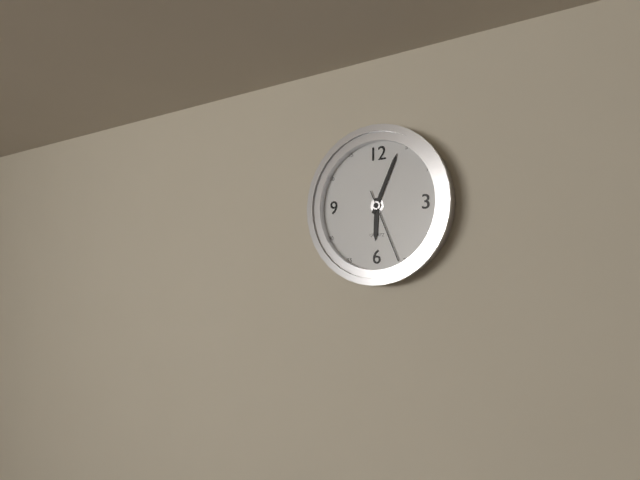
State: 6:04:26
